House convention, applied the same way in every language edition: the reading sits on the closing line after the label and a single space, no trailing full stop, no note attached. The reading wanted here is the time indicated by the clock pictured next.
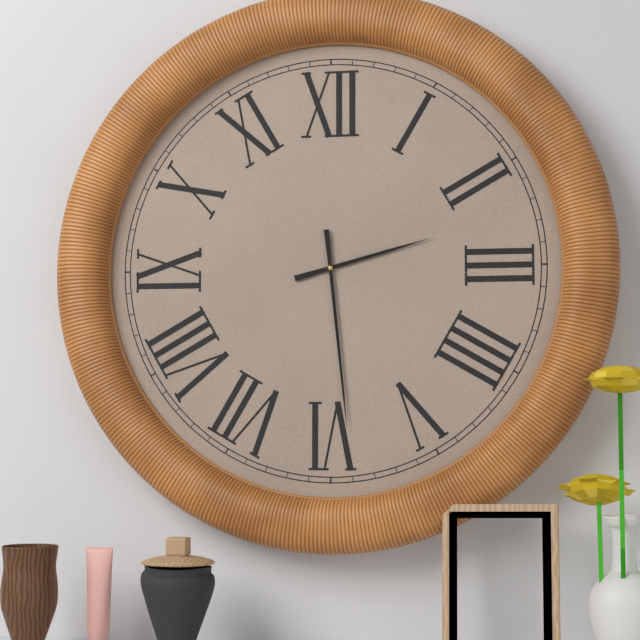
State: 2:29
